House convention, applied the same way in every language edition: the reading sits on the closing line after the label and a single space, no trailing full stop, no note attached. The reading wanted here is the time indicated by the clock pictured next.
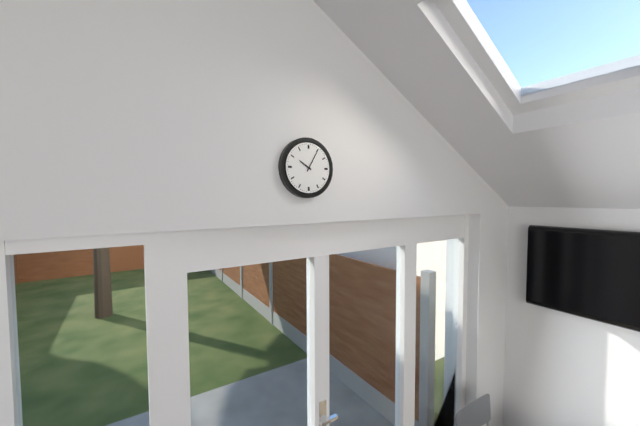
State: 10:05
